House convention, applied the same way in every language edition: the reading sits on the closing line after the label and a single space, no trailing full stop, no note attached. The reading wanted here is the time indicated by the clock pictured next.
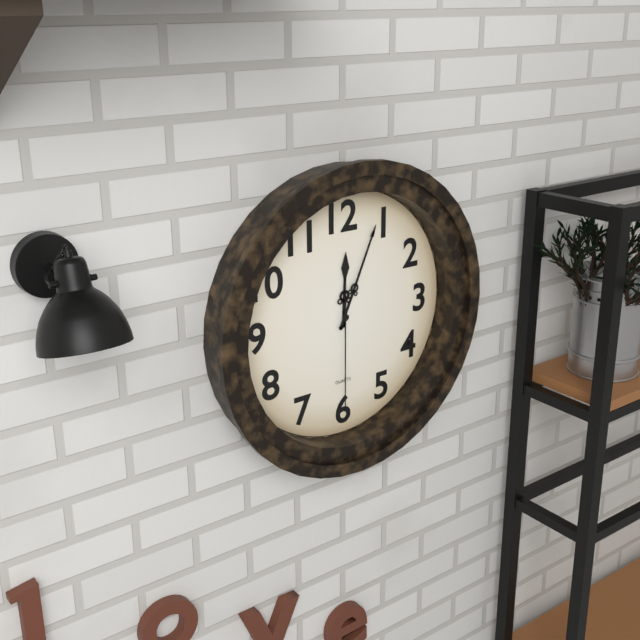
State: 12:04:30
